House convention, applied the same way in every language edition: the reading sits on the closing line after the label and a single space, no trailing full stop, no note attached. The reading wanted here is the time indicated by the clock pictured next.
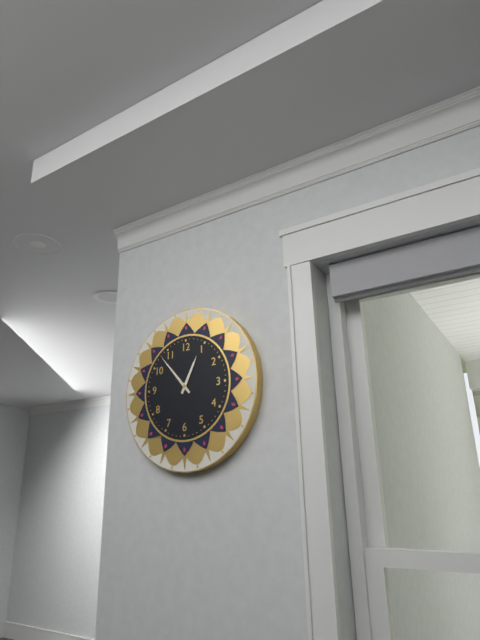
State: 12:53
